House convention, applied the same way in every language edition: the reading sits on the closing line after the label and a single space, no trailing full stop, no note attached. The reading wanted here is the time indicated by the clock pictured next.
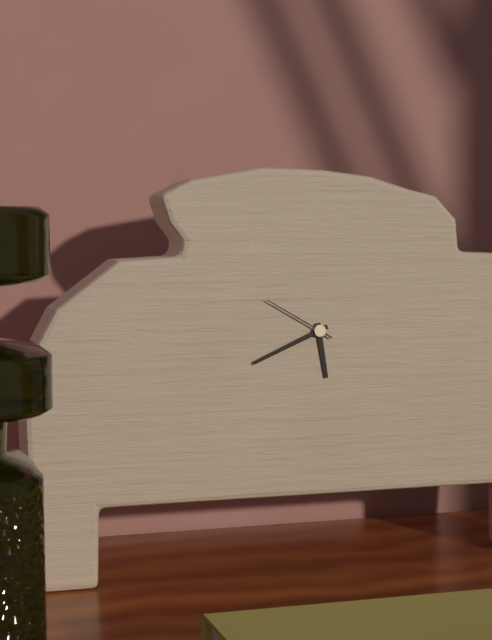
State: 5:41:50
